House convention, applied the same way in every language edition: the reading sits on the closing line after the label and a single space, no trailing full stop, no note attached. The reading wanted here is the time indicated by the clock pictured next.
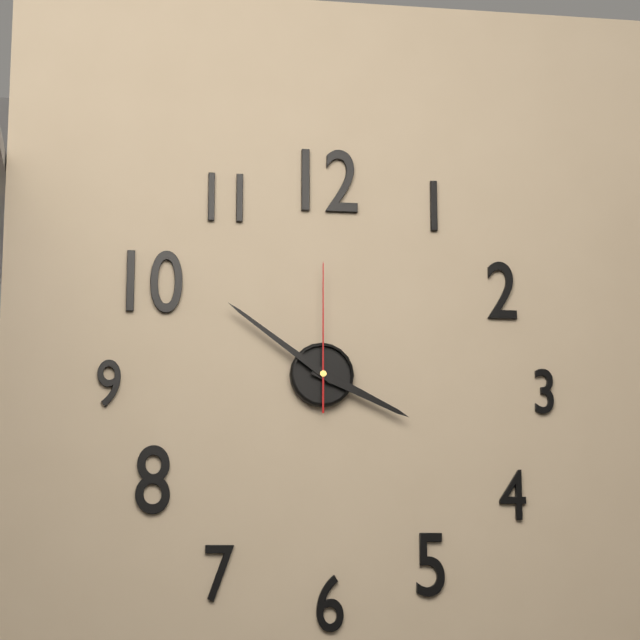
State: 3:51:00
